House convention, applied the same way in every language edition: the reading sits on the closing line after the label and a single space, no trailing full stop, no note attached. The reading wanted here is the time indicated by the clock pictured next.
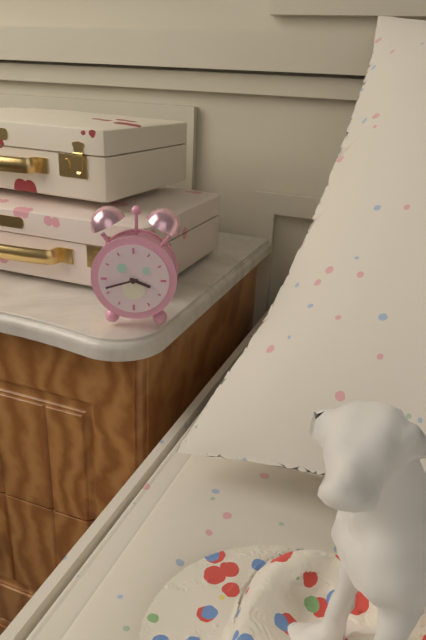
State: 3:42
